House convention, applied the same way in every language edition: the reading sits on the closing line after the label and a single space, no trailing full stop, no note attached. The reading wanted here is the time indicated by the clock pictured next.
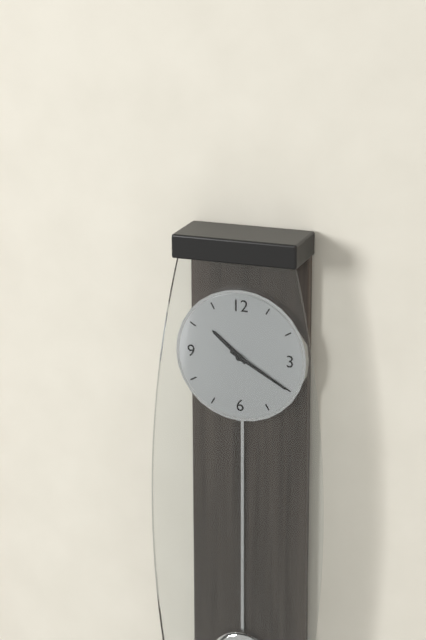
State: 10:20
